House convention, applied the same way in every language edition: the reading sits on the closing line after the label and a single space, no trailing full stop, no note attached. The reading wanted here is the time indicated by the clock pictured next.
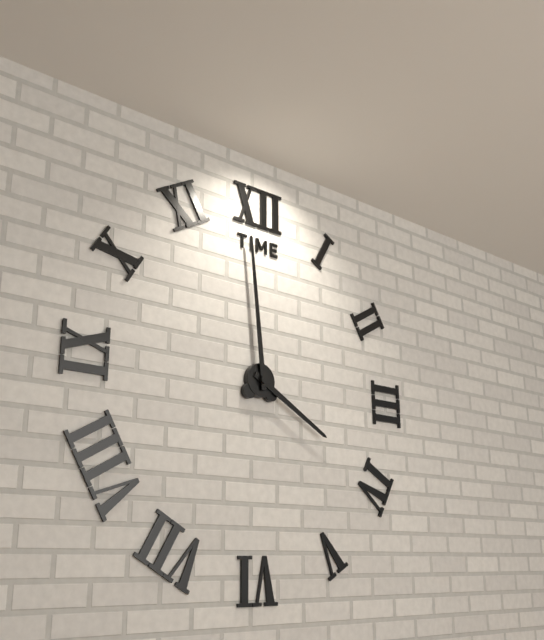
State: 3:59
